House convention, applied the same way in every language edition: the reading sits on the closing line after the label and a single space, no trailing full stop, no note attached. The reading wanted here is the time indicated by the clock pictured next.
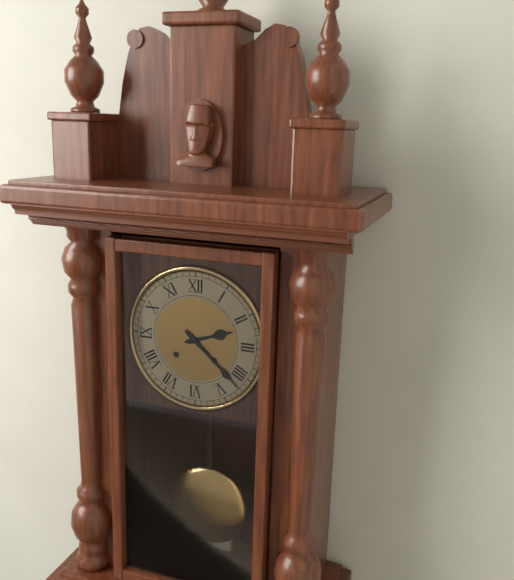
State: 2:22
